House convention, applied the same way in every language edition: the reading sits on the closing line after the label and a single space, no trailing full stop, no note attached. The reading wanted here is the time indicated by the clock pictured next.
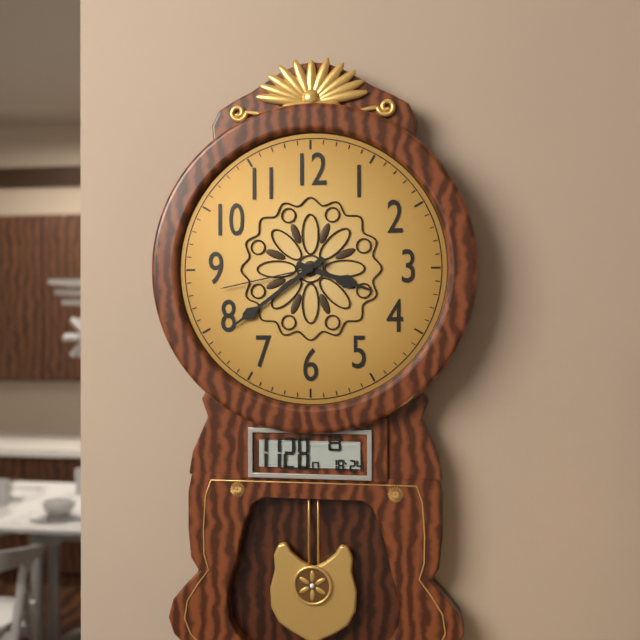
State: 3:39:43
